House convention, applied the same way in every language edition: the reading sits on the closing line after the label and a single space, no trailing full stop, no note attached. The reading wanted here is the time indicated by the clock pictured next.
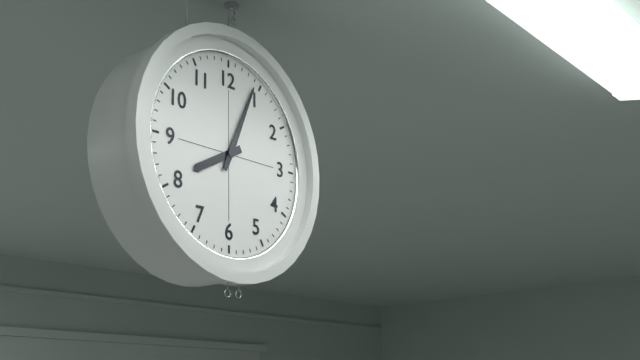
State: 8:04
